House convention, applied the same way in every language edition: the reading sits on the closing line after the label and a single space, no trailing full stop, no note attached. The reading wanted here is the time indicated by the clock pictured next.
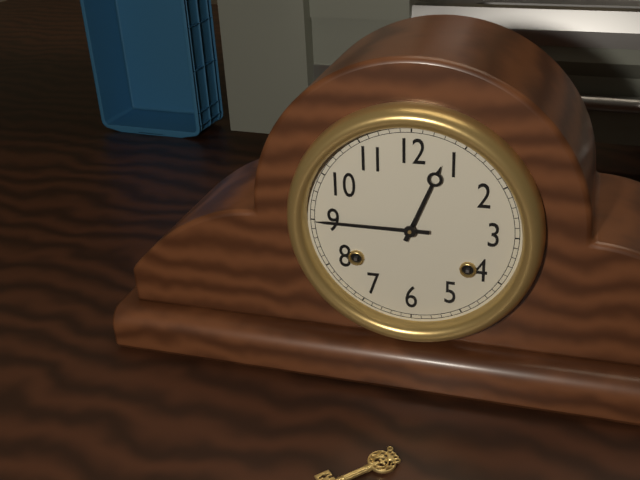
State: 12:45
